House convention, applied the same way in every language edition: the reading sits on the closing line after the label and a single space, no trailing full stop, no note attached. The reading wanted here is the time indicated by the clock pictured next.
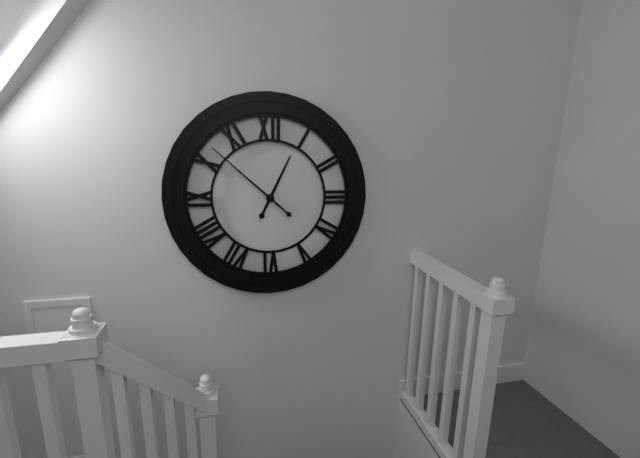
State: 12:52
